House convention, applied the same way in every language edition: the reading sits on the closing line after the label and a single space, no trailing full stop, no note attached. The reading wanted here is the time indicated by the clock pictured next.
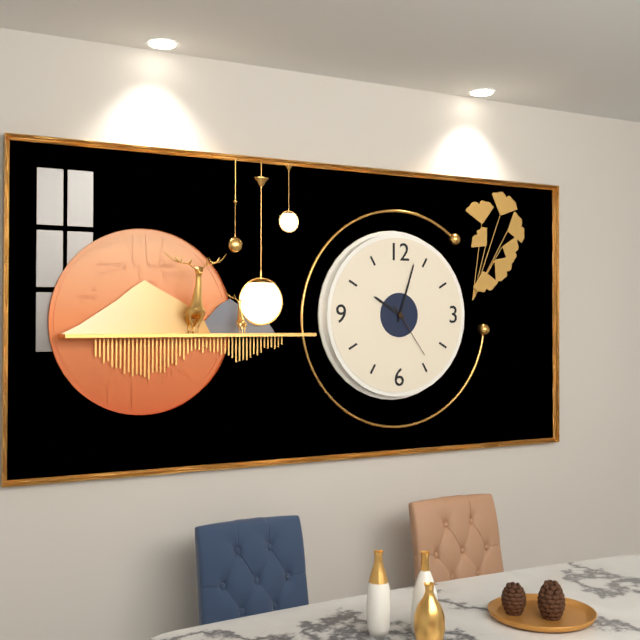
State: 10:03:24
